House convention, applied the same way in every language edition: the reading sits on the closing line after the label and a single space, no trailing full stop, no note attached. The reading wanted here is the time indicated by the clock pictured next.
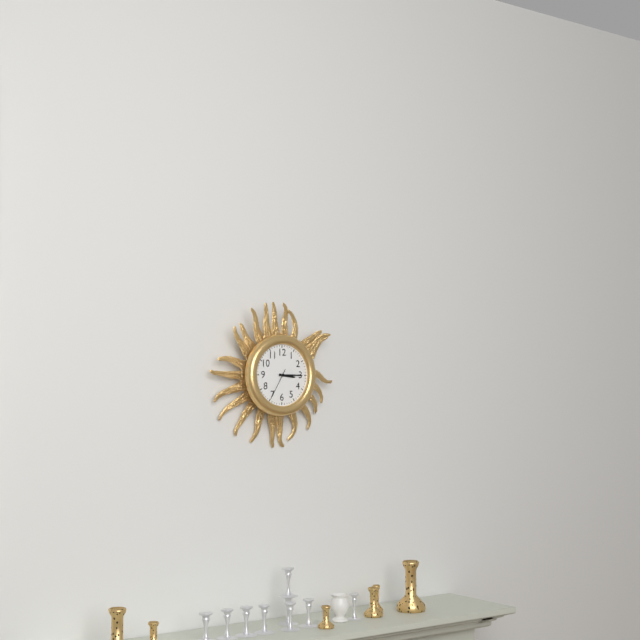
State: 3:15
